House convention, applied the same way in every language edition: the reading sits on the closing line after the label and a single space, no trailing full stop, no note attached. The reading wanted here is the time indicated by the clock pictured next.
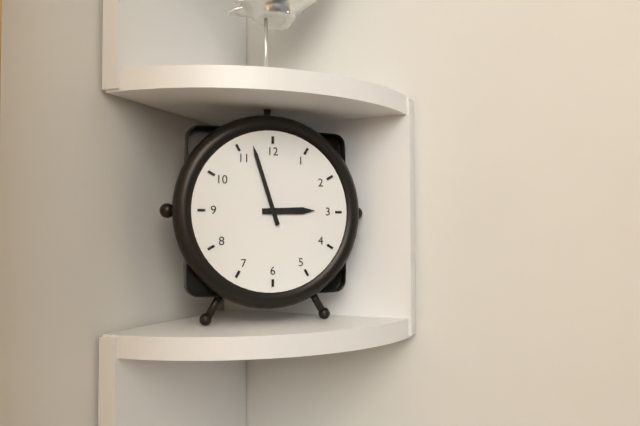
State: 2:57
